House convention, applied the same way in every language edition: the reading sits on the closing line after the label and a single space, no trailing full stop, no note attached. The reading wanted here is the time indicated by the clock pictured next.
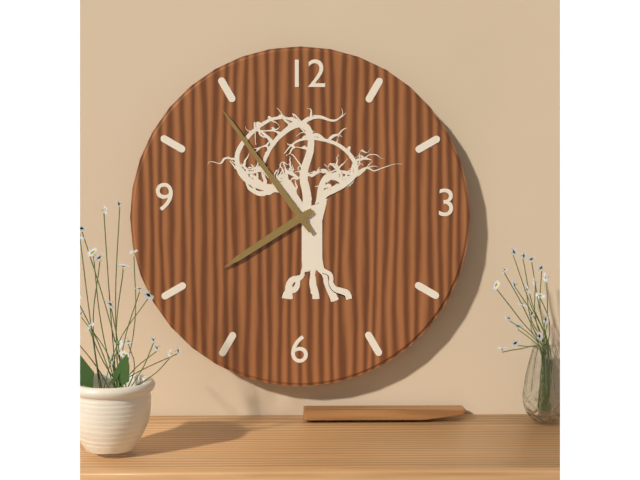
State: 7:54
